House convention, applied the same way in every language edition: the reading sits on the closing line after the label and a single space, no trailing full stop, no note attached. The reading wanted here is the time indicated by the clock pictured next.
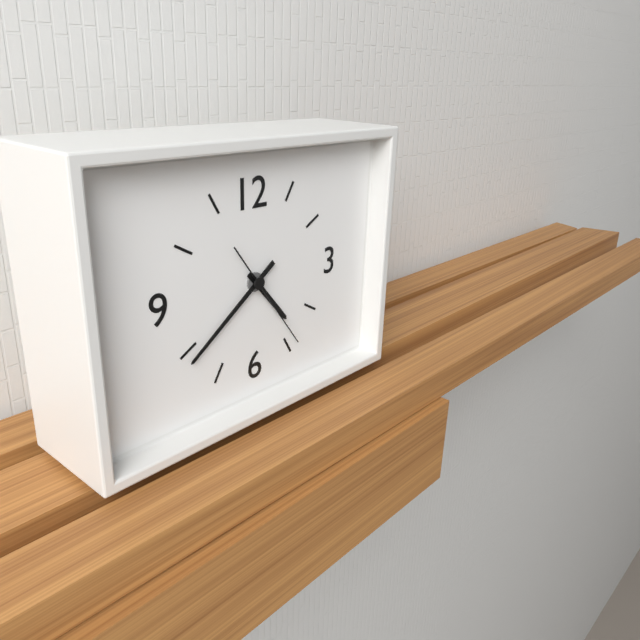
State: 4:39:24
